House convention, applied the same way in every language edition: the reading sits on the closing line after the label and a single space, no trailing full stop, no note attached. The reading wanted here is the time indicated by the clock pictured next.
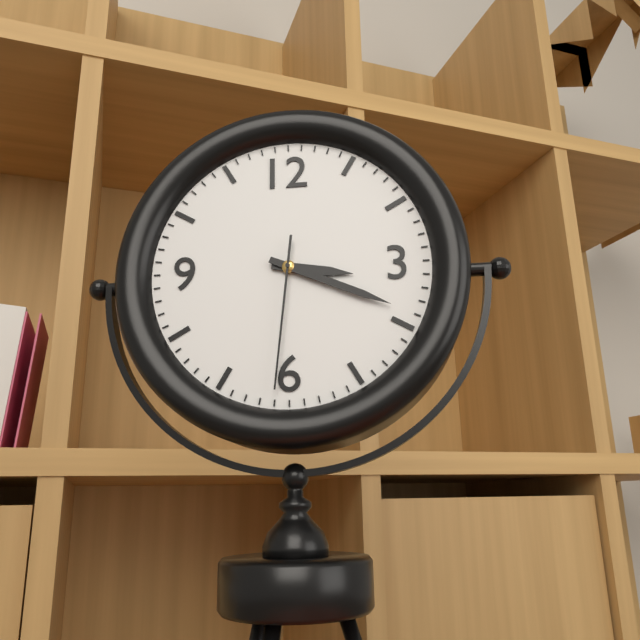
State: 3:19:31
